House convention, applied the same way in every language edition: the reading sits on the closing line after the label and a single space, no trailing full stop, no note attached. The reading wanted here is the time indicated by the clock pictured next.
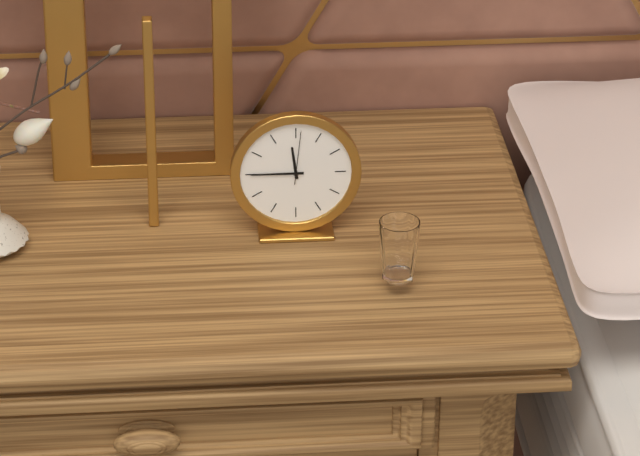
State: 11:45:01
